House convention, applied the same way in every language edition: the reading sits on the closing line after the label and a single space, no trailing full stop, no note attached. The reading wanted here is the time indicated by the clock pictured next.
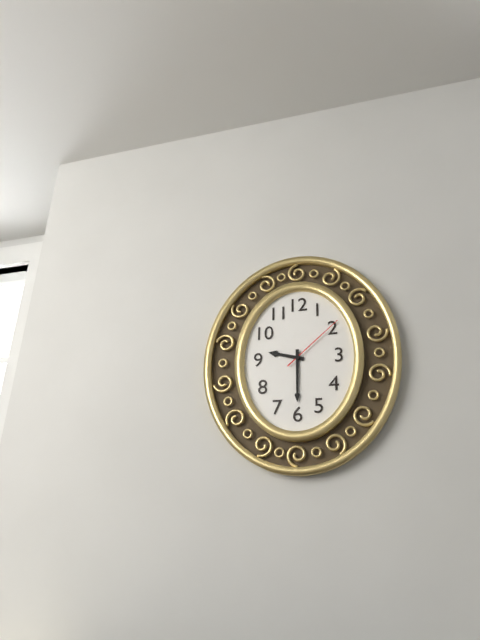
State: 9:30:08
